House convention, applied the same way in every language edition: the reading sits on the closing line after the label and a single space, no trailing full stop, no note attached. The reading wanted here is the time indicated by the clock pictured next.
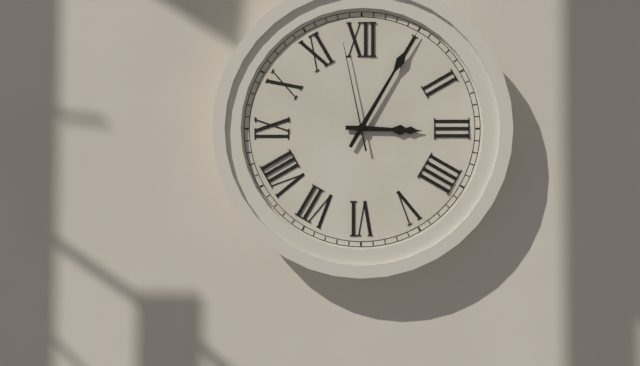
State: 3:05:58
